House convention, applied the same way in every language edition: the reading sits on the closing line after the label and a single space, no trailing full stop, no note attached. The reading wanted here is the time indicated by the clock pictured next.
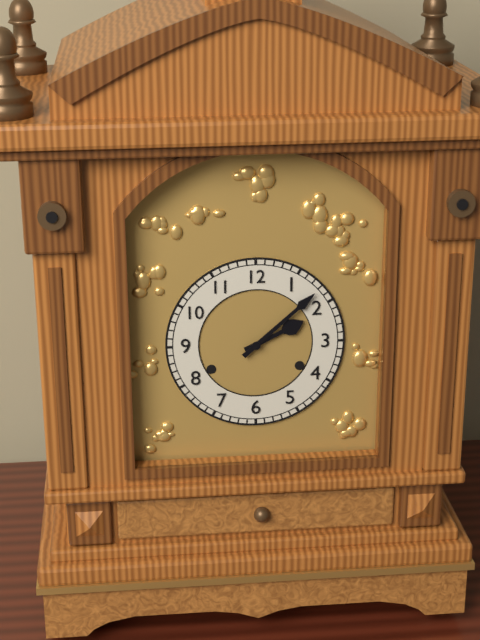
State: 2:08
